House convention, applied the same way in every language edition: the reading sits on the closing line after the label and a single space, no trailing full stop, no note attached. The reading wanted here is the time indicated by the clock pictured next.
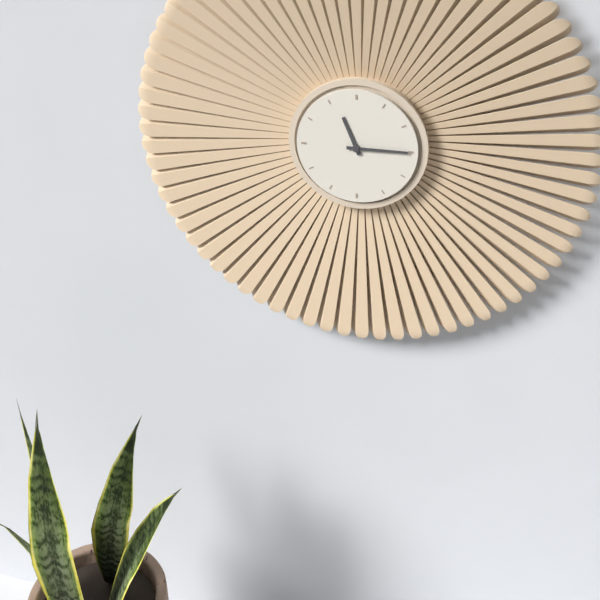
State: 11:15
